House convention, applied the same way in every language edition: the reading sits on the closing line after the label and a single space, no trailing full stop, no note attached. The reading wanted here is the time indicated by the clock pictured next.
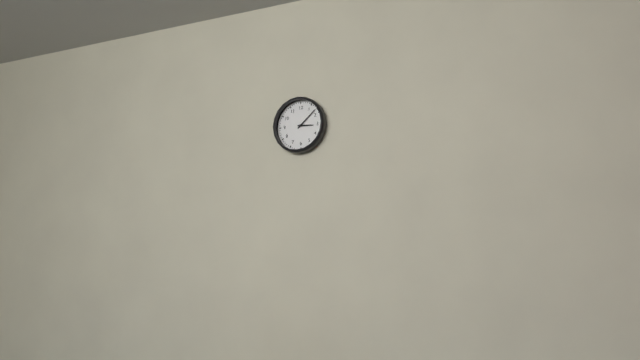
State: 3:08
